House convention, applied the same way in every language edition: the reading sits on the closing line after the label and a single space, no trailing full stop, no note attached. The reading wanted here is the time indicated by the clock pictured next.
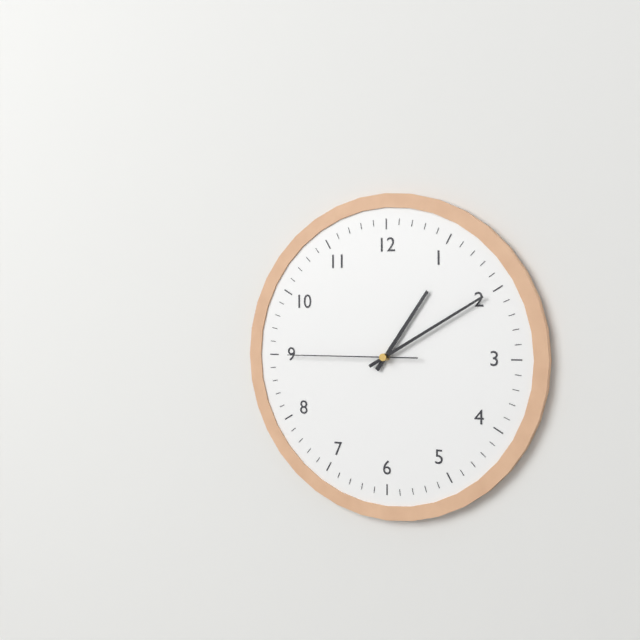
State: 1:10:45
